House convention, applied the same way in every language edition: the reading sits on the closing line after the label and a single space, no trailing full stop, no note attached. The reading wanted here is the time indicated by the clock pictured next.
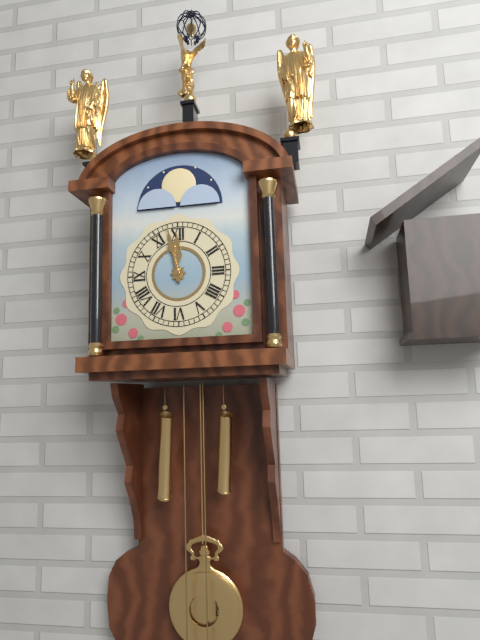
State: 11:58
